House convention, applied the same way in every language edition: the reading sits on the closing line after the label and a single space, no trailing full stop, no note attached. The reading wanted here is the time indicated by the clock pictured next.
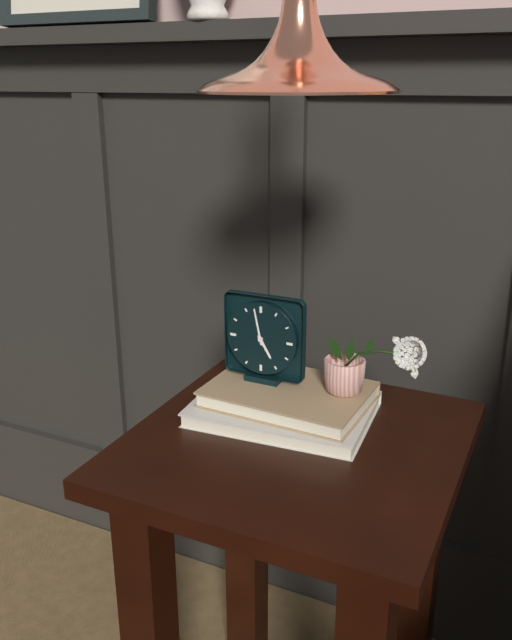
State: 4:58
